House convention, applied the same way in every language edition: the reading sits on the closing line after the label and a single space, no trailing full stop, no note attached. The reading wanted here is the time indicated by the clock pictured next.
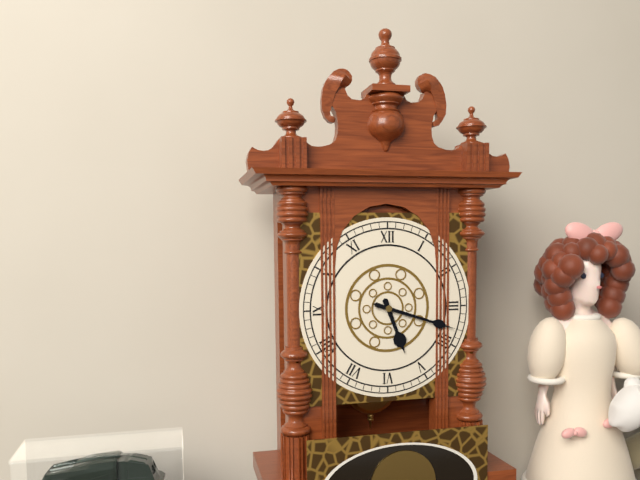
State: 5:18
